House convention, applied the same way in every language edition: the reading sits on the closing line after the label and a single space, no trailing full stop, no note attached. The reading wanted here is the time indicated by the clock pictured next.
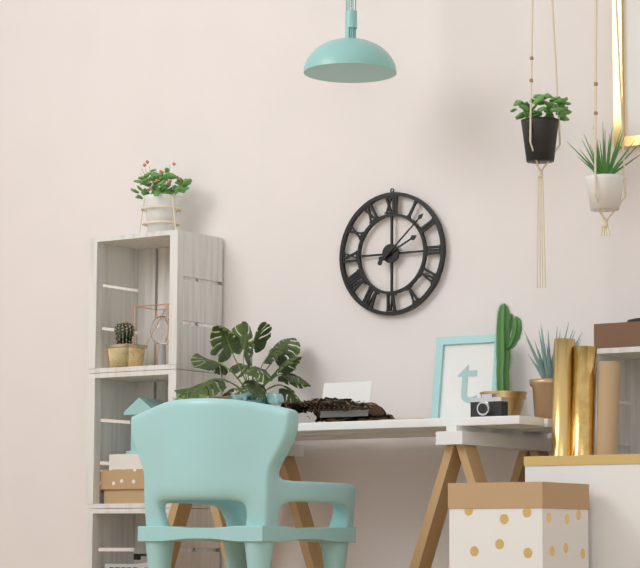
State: 2:08
